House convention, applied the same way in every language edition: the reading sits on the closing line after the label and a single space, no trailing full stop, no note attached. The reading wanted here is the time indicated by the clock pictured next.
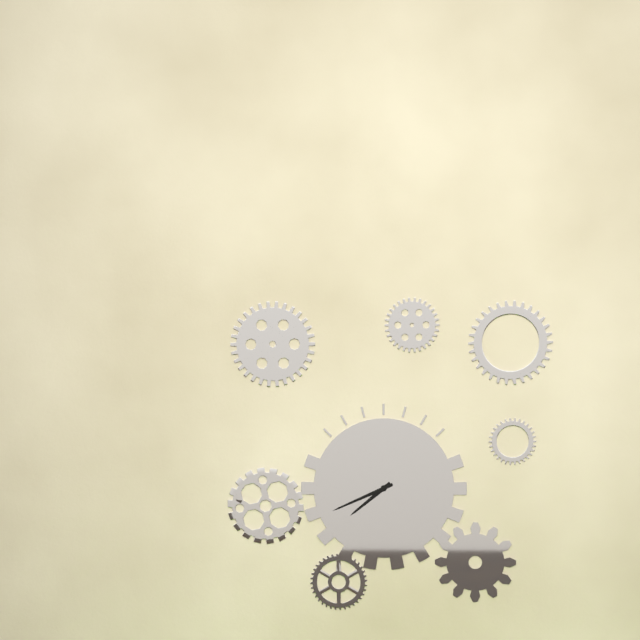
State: 7:41
